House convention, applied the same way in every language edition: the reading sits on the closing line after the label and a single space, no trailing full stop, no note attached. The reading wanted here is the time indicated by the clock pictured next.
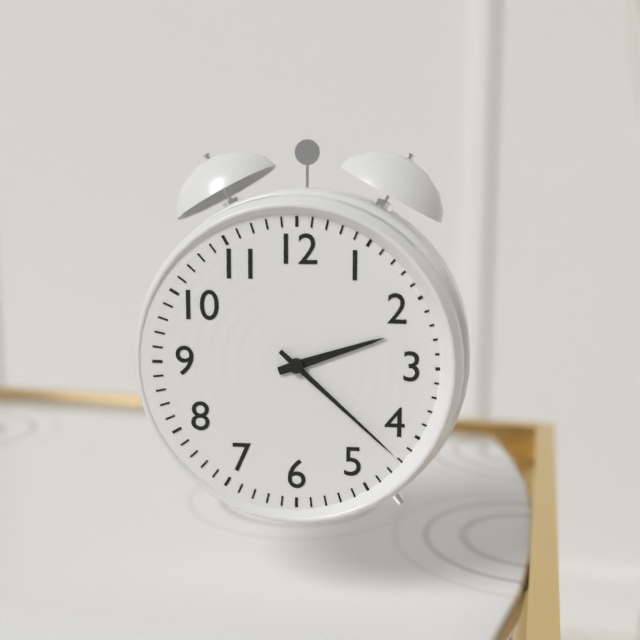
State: 2:22
